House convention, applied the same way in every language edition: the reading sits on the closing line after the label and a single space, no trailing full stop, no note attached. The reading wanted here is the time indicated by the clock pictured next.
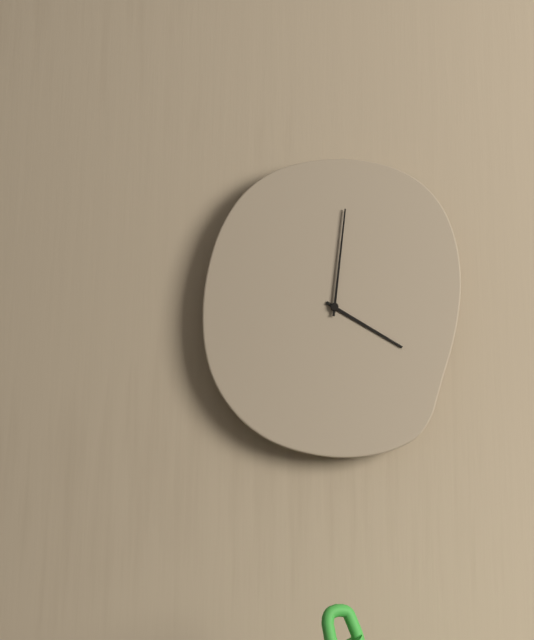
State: 4:01
